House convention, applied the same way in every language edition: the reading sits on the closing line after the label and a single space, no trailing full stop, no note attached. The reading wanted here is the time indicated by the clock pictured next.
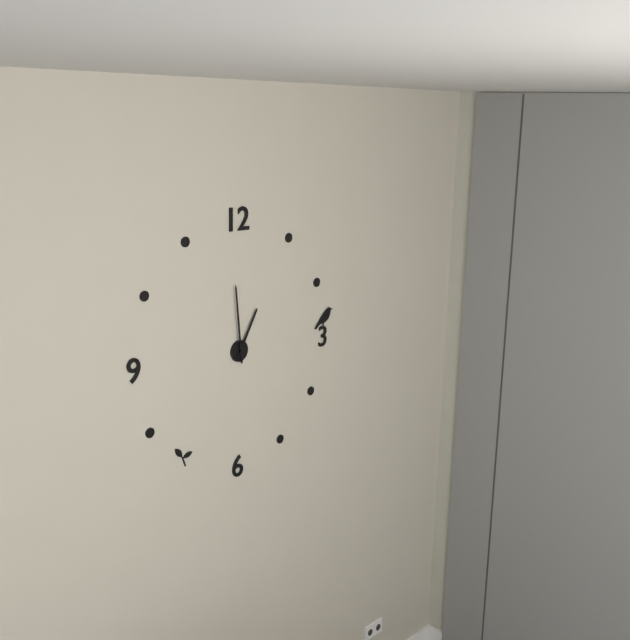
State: 12:59
